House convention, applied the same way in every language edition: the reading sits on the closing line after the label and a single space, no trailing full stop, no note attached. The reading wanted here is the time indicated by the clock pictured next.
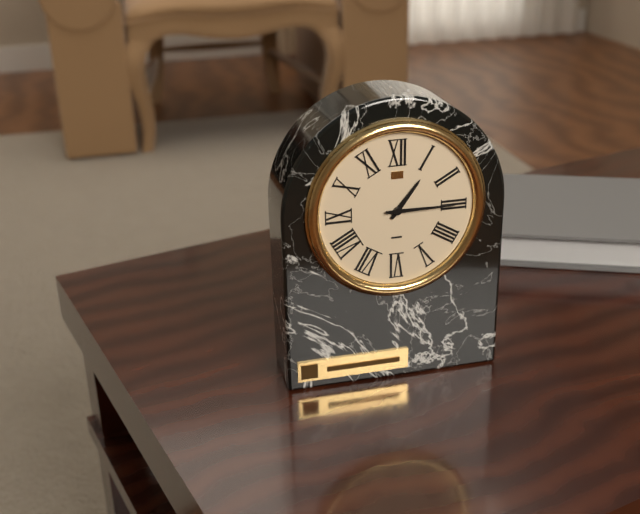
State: 1:15
